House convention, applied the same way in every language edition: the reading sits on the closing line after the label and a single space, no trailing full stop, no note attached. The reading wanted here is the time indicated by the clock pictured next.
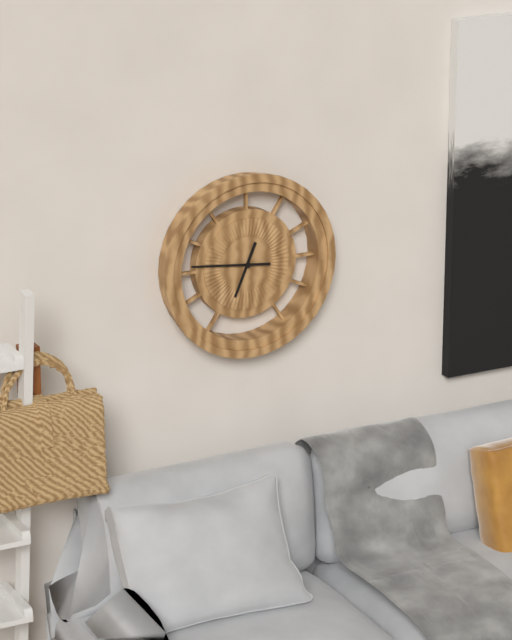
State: 6:46
